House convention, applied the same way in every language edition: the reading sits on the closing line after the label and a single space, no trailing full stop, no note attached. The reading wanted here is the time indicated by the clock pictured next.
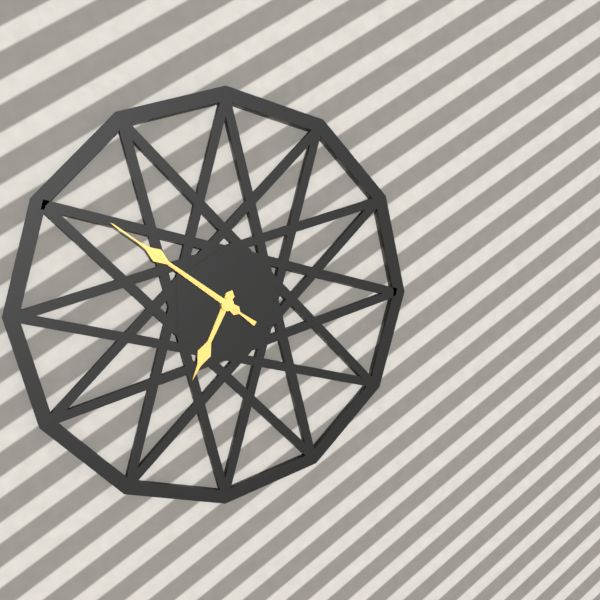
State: 6:51:51
